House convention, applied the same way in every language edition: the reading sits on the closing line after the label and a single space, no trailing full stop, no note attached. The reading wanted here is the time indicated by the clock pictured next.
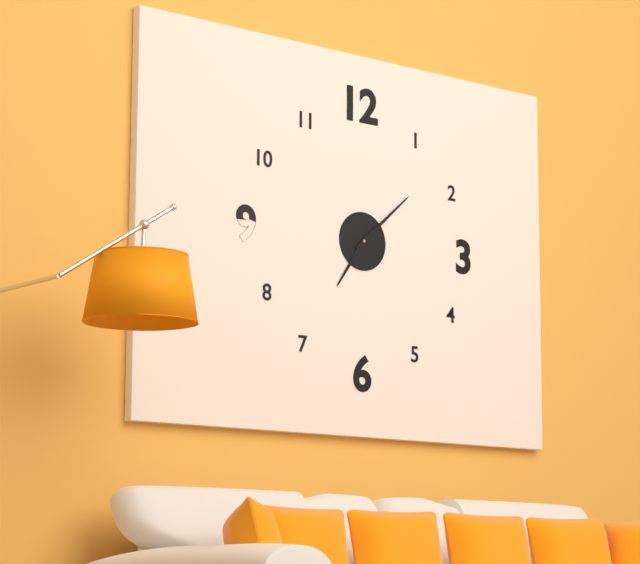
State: 7:08
